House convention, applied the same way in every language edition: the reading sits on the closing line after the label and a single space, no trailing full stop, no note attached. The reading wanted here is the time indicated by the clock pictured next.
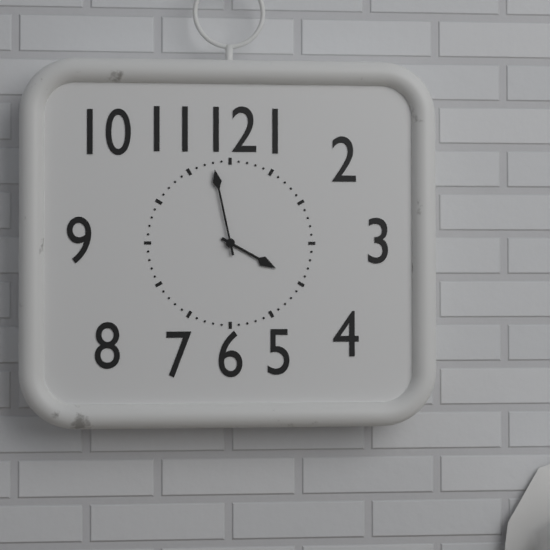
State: 3:58
